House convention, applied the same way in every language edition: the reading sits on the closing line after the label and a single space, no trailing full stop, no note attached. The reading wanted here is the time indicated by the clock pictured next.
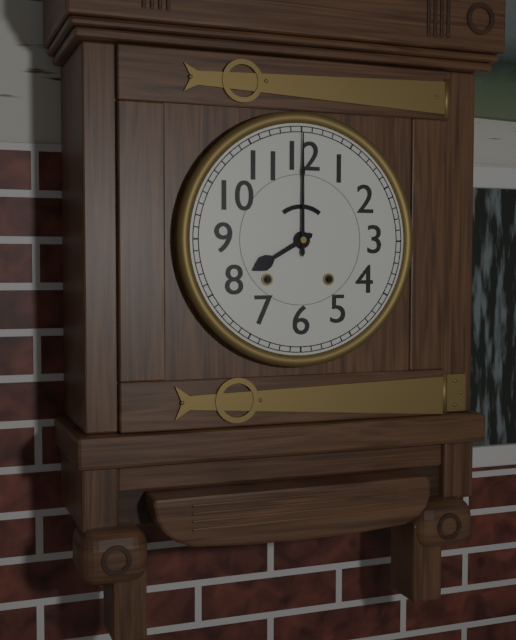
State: 8:00
